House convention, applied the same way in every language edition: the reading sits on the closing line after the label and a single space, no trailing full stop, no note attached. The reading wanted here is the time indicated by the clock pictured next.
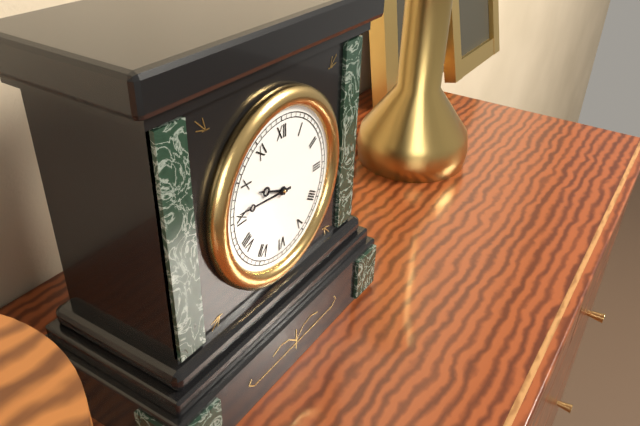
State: 9:46
